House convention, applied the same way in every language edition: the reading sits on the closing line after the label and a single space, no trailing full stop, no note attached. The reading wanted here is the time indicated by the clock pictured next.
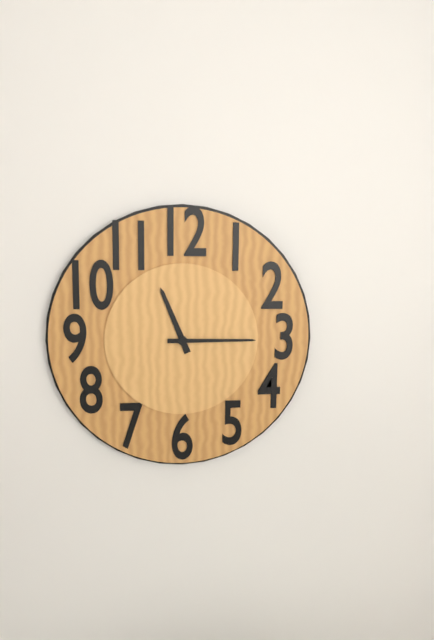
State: 11:15
